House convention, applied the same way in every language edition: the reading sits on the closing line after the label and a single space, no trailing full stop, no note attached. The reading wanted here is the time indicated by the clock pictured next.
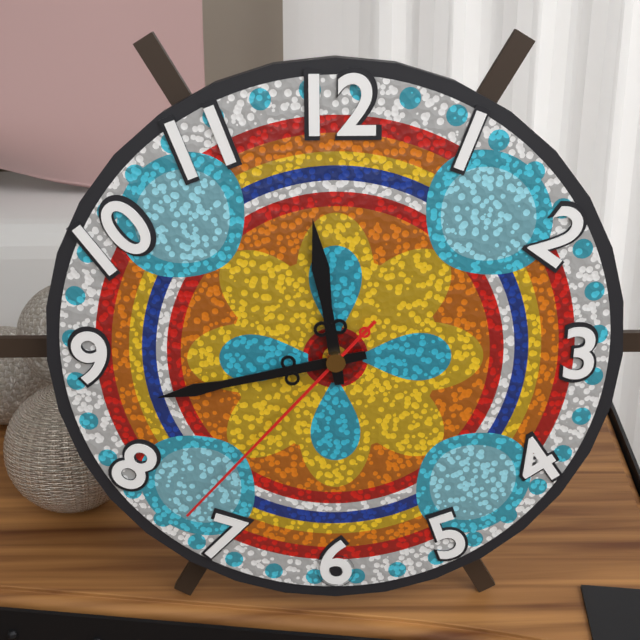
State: 11:43:37
